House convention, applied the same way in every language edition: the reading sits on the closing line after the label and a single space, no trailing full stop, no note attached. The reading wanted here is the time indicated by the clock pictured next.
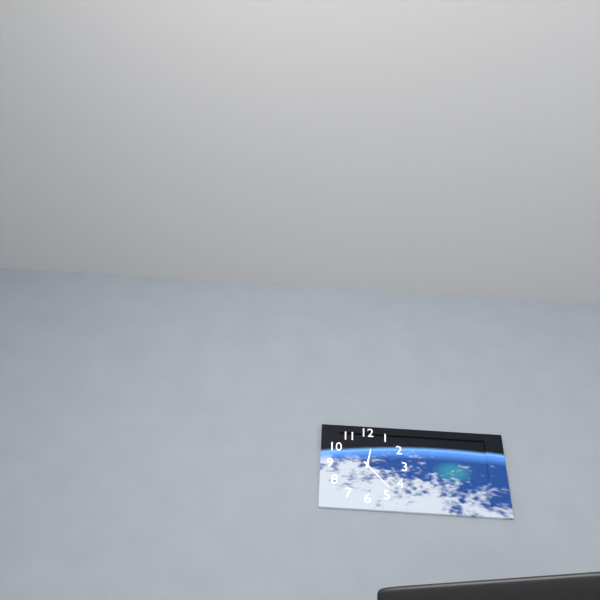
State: 12:23
